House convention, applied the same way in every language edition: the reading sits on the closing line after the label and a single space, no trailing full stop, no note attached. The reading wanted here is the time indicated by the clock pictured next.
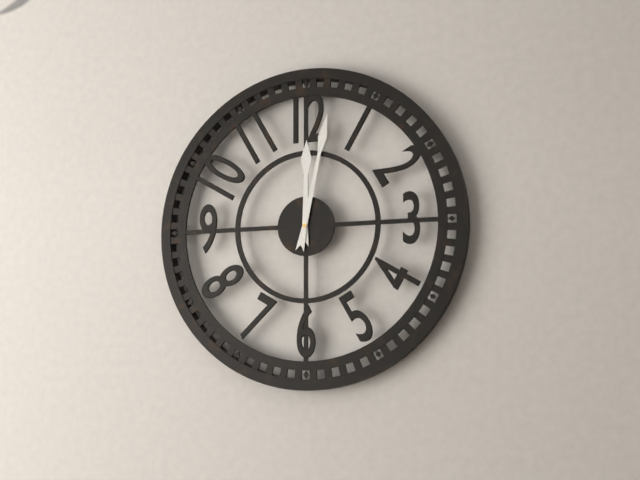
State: 12:02
